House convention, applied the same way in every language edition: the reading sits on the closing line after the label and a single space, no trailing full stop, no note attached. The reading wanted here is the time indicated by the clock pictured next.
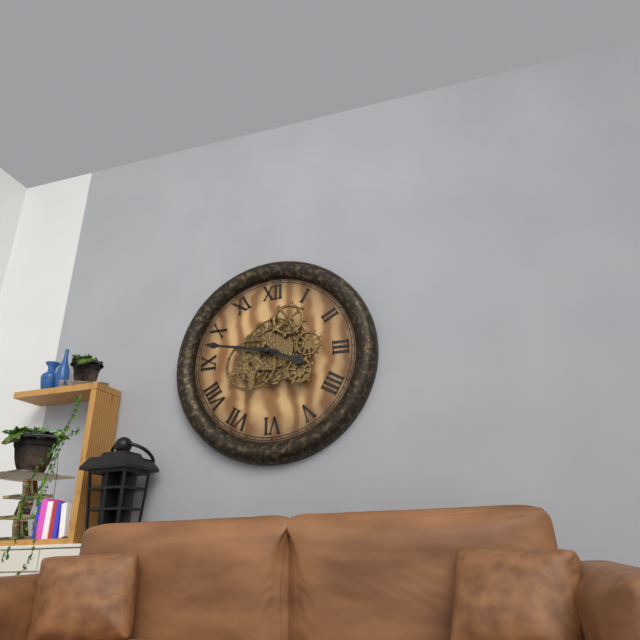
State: 3:47
